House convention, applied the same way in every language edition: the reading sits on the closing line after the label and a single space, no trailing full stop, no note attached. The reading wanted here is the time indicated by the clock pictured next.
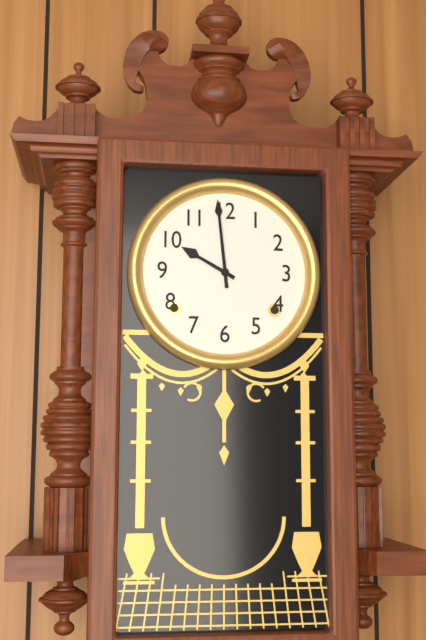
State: 9:59
